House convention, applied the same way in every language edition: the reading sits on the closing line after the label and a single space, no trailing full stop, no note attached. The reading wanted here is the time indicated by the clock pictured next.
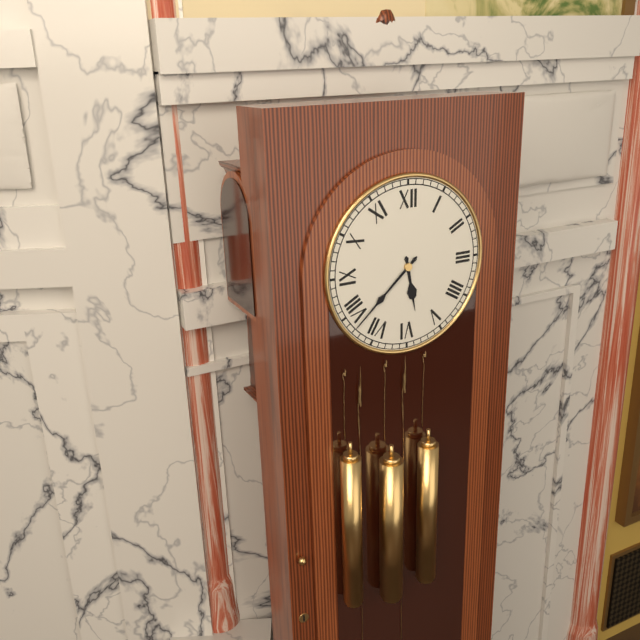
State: 5:38
